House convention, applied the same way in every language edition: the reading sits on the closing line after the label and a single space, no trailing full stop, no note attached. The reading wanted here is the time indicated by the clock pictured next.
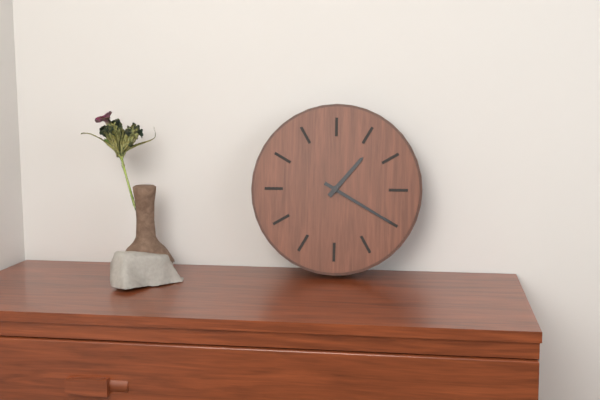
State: 1:20
